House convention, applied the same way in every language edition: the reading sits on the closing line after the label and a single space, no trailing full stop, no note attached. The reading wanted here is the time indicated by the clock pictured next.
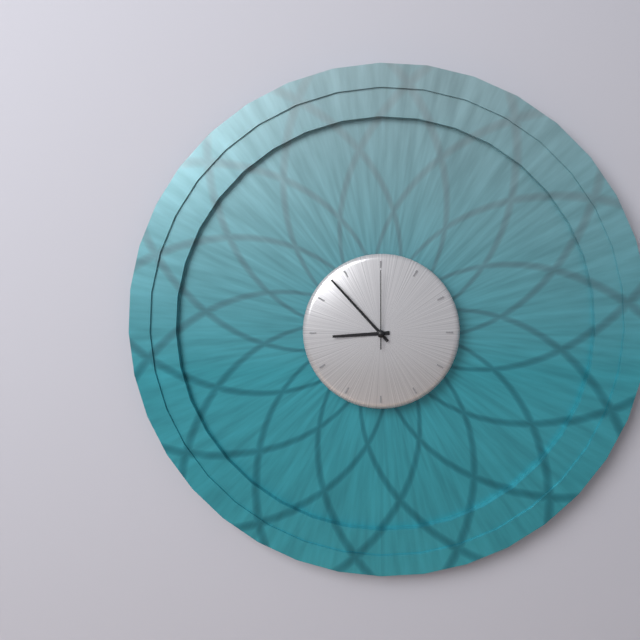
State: 8:53:00
